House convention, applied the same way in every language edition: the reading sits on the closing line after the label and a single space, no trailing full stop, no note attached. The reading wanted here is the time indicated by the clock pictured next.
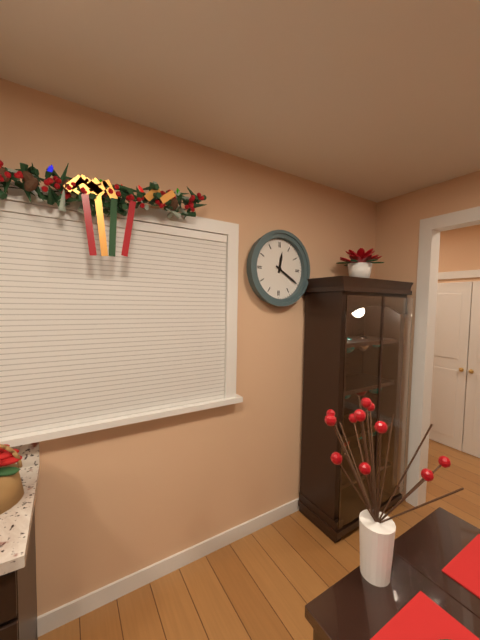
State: 12:20
